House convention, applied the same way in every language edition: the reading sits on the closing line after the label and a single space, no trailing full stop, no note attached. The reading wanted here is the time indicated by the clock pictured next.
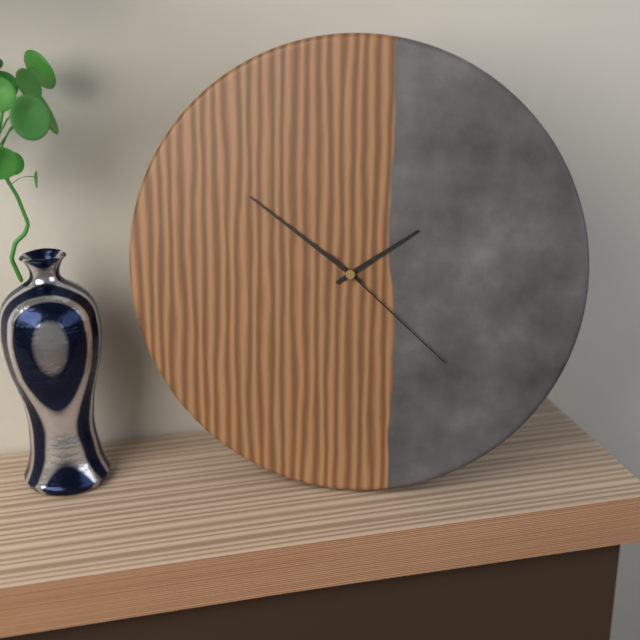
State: 1:51:22
